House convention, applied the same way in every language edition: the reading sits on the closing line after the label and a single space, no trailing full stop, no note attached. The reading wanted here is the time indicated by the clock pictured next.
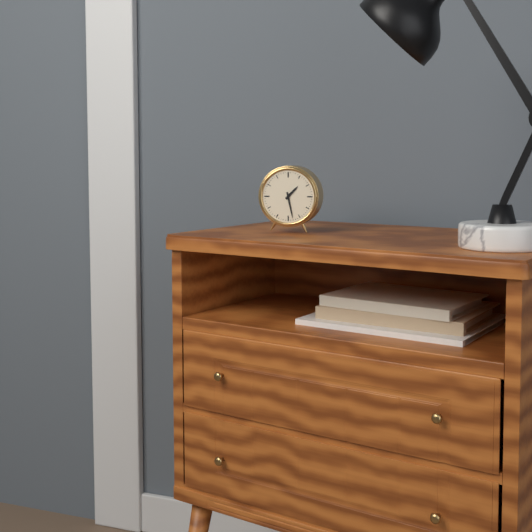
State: 1:28
